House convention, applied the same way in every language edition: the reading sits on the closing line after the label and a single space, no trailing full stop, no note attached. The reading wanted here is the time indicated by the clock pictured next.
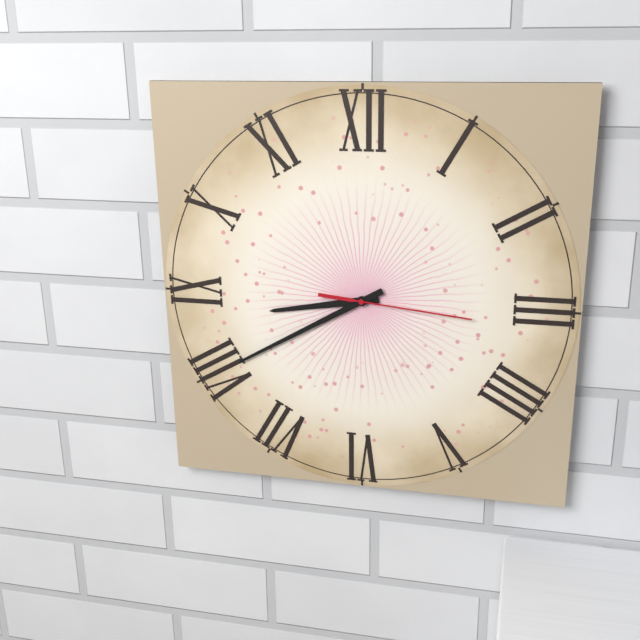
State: 8:40:16
